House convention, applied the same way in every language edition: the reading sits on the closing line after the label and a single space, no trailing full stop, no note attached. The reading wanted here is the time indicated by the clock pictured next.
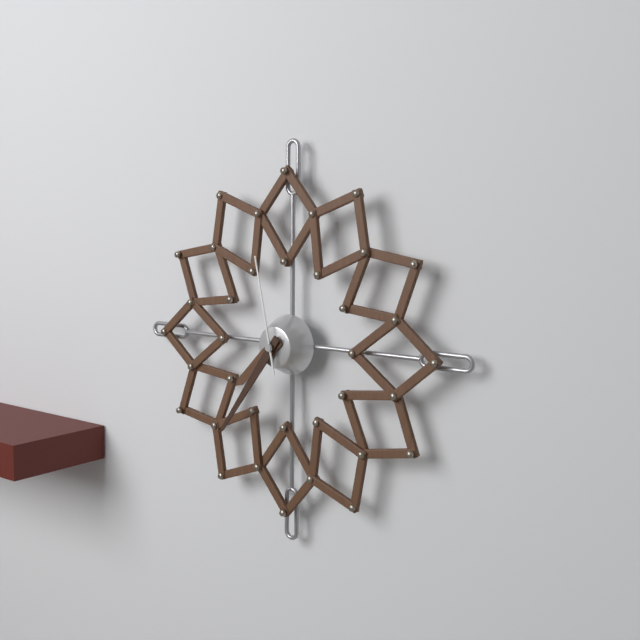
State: 7:36:58
